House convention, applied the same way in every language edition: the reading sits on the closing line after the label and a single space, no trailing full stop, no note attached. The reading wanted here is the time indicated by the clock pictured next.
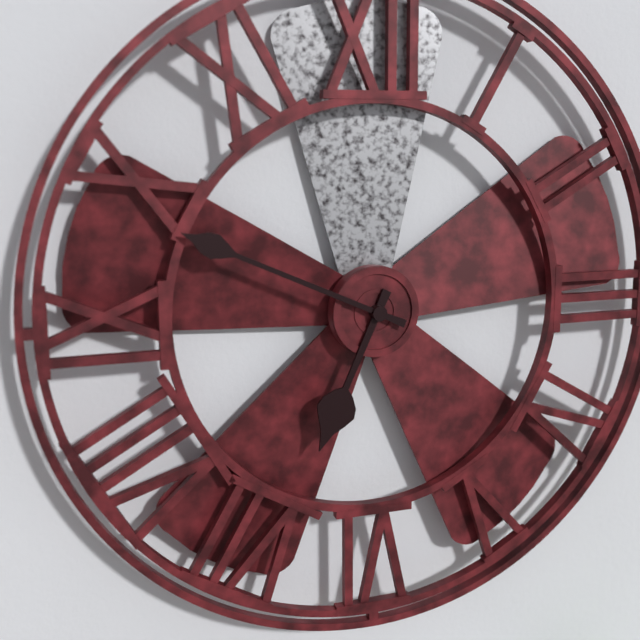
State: 6:49
